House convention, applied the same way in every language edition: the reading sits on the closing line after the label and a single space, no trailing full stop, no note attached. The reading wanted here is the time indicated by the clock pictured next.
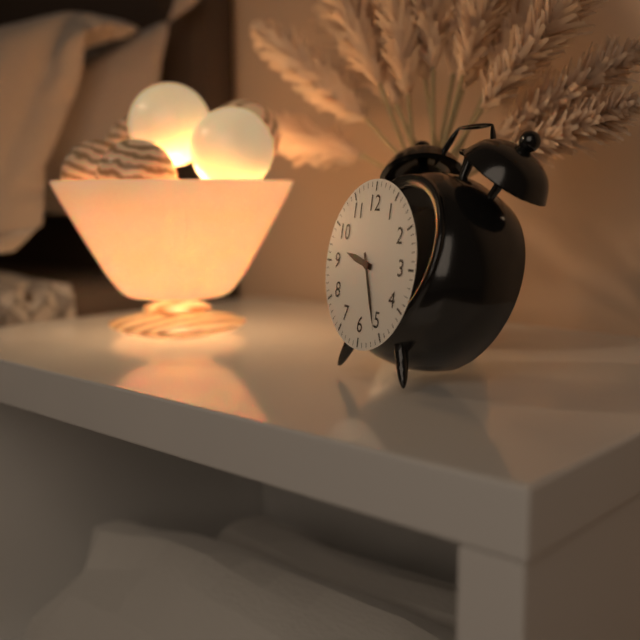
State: 9:26
